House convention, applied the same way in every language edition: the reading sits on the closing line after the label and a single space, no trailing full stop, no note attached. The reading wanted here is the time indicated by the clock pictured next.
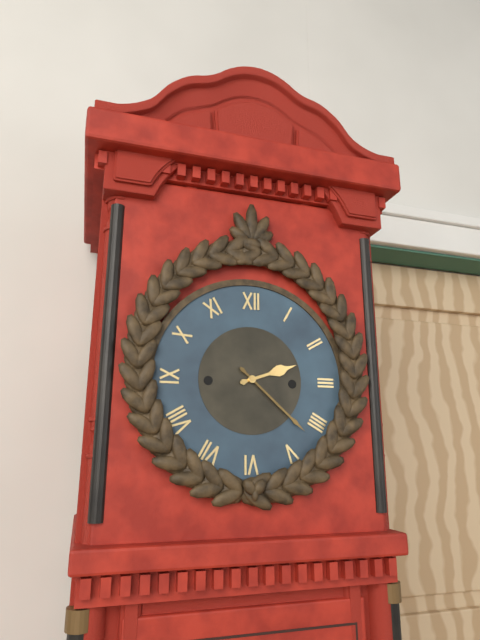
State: 2:22
